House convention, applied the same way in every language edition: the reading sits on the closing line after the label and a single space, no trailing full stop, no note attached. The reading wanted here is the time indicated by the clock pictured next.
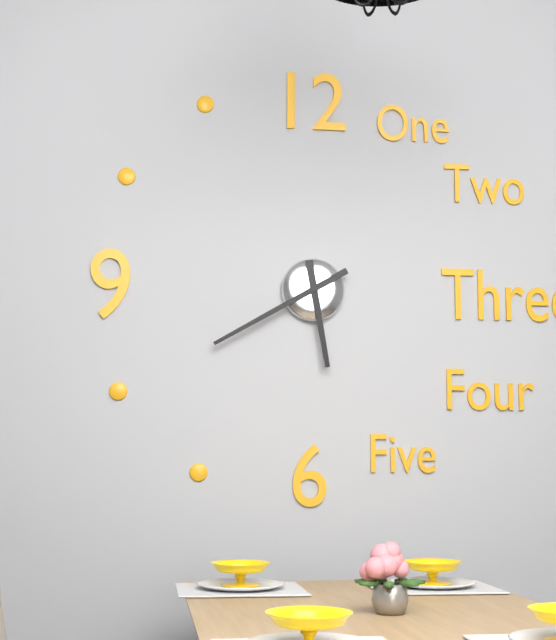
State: 5:40
